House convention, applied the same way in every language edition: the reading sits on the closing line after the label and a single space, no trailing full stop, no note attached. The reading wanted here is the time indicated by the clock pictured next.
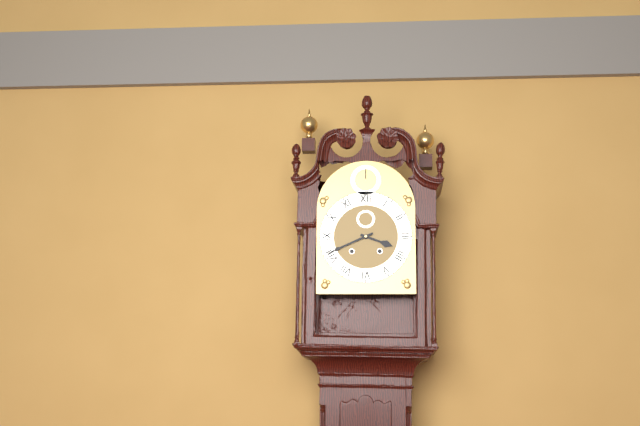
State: 3:41
